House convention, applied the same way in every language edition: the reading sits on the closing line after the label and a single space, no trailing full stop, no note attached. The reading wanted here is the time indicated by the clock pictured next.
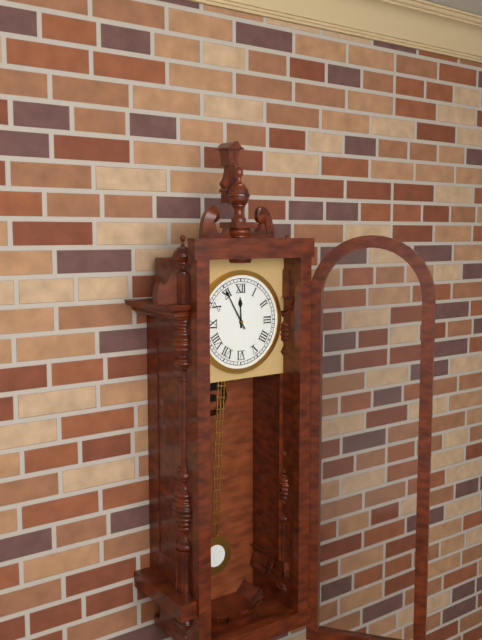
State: 11:55
